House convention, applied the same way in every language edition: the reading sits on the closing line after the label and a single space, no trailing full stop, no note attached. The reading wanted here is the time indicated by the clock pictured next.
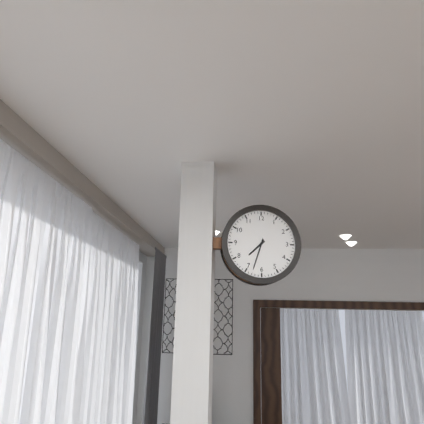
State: 7:33
